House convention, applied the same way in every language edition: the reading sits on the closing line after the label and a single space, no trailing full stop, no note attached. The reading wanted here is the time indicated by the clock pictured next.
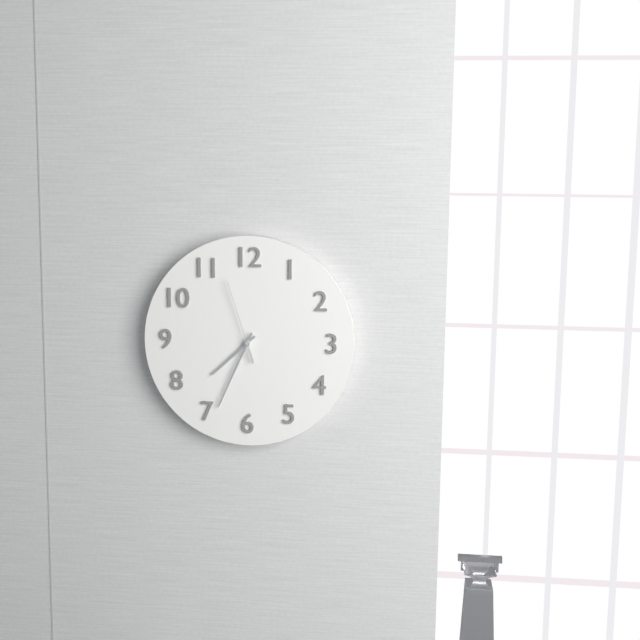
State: 7:34:57
